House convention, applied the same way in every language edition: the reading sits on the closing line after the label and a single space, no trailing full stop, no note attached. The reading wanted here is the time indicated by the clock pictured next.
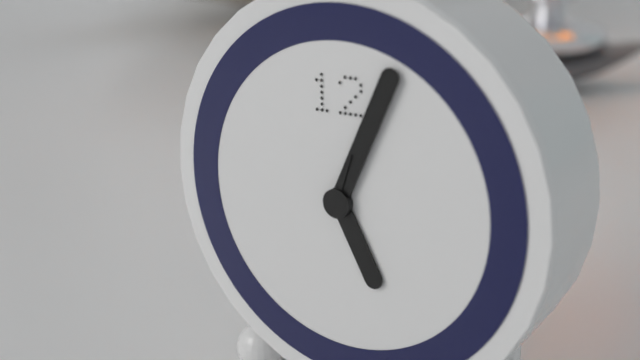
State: 5:04
